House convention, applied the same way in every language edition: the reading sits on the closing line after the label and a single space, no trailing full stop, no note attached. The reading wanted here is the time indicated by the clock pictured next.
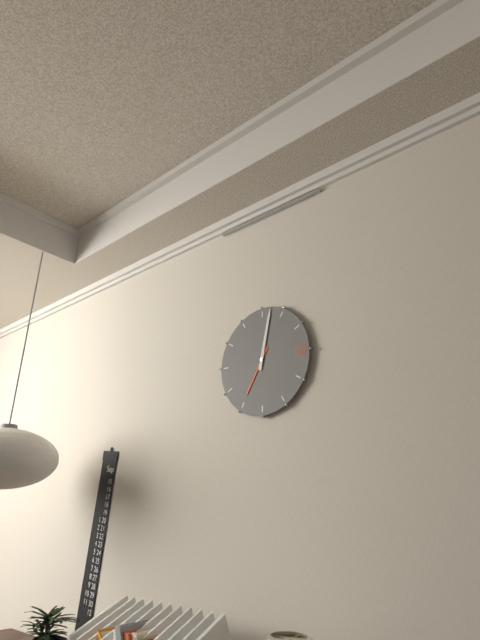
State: 7:02
